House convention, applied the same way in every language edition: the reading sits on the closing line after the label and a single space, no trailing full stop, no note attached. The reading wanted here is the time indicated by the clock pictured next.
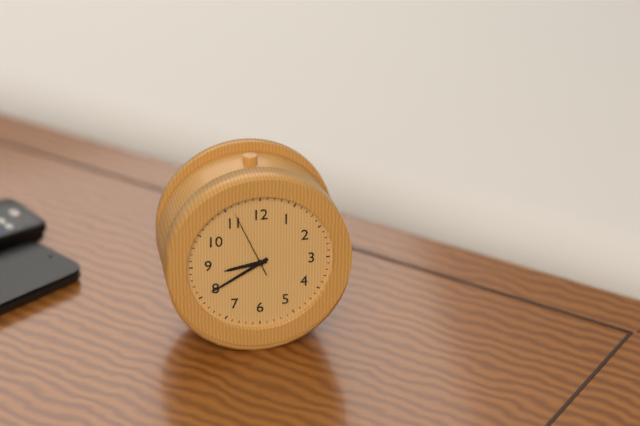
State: 8:40:56
